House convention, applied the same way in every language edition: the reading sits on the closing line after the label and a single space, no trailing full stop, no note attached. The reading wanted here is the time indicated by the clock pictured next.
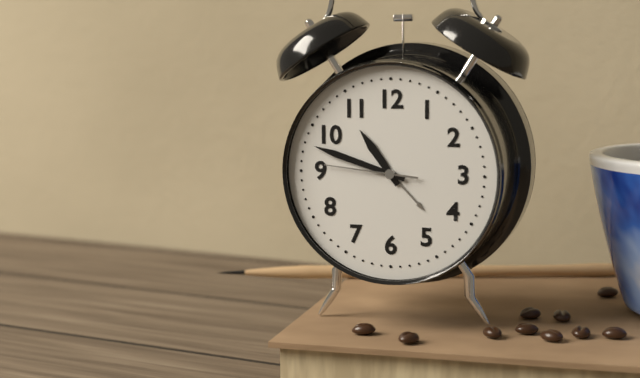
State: 10:48:46
